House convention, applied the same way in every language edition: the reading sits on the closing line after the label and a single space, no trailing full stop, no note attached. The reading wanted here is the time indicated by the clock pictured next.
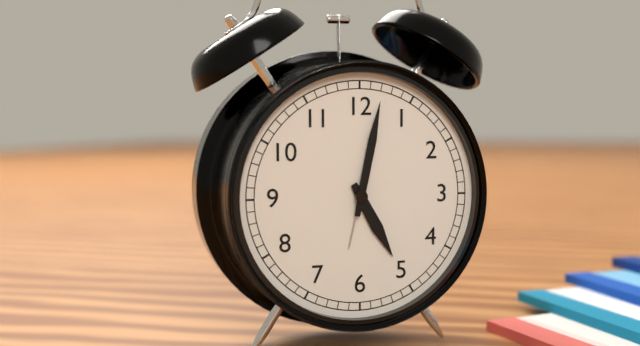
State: 5:02
